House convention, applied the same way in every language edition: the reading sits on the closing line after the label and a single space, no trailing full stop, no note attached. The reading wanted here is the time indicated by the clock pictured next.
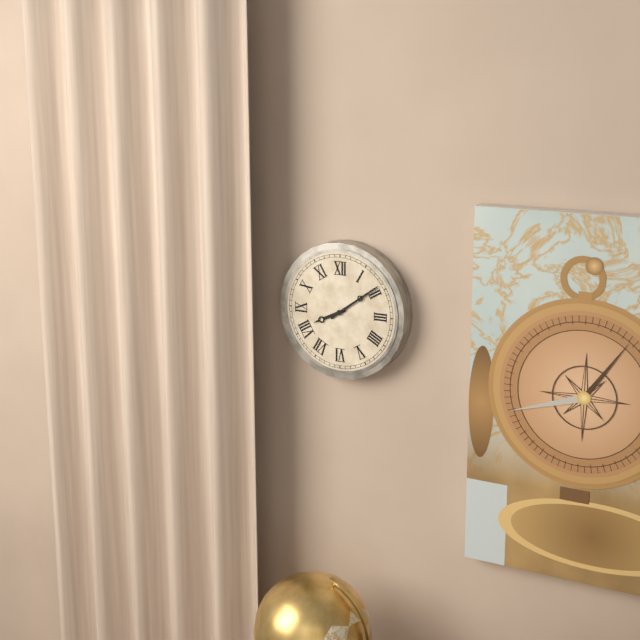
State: 8:09
